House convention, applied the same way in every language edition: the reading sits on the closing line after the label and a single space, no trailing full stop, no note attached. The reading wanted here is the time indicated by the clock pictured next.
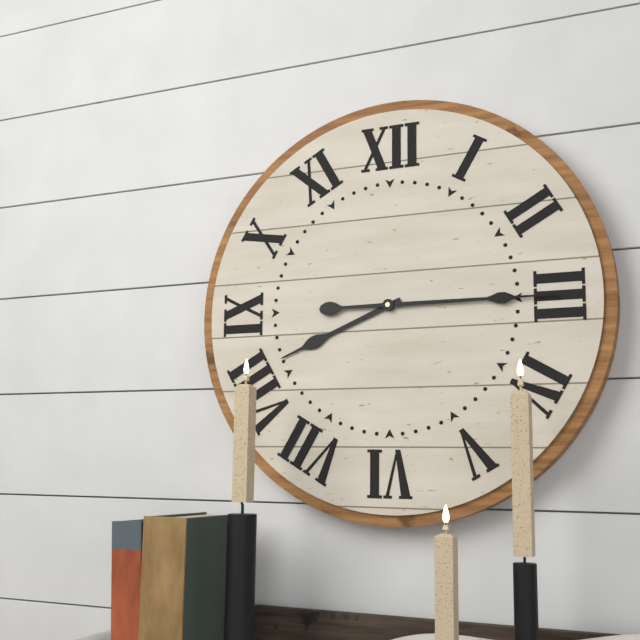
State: 8:15
